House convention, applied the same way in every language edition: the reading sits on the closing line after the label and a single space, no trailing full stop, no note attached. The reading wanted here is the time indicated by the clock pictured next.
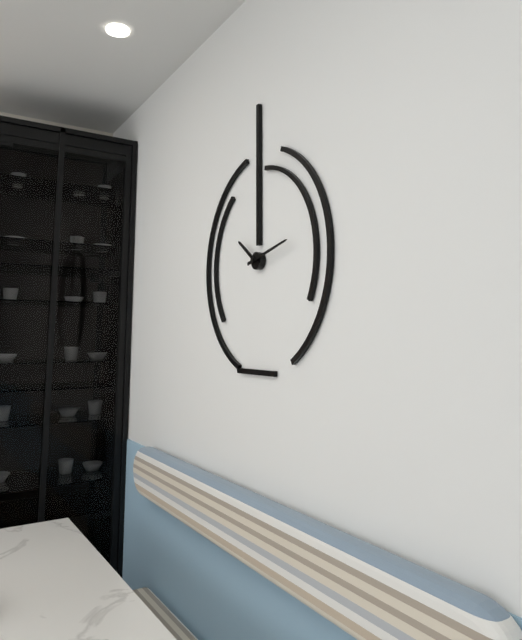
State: 10:13
